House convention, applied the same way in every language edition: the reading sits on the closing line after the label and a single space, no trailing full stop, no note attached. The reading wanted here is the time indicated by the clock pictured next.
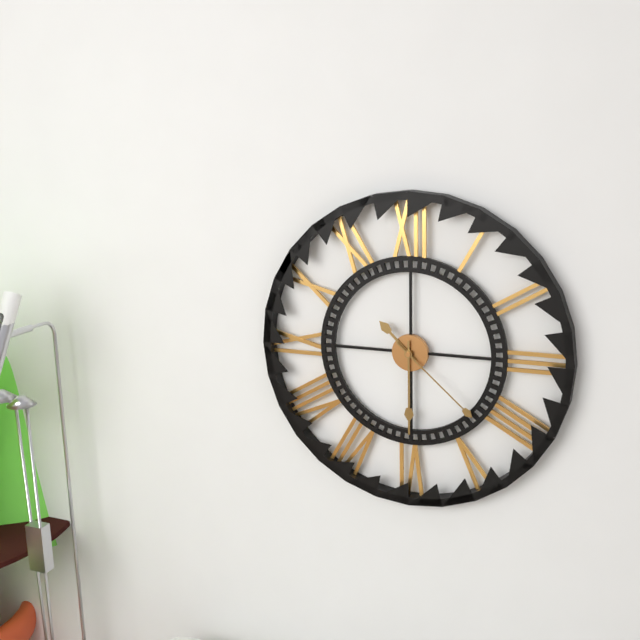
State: 10:30:22
